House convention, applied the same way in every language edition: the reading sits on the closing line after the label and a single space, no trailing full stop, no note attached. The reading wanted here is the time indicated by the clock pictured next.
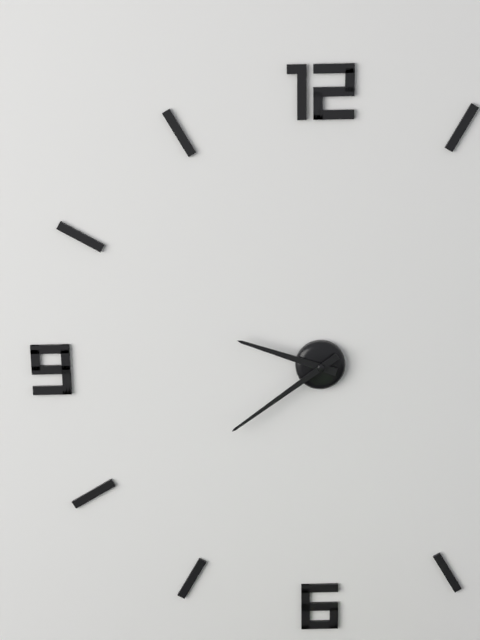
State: 9:39
